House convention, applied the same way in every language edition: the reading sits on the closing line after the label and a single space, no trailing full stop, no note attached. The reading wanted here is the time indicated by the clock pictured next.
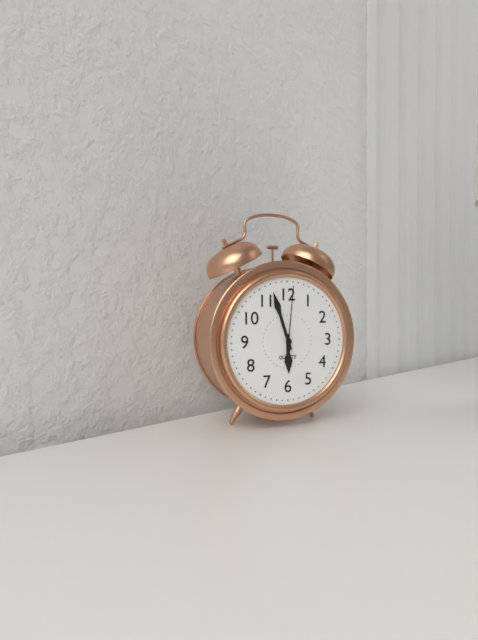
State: 5:57:01
